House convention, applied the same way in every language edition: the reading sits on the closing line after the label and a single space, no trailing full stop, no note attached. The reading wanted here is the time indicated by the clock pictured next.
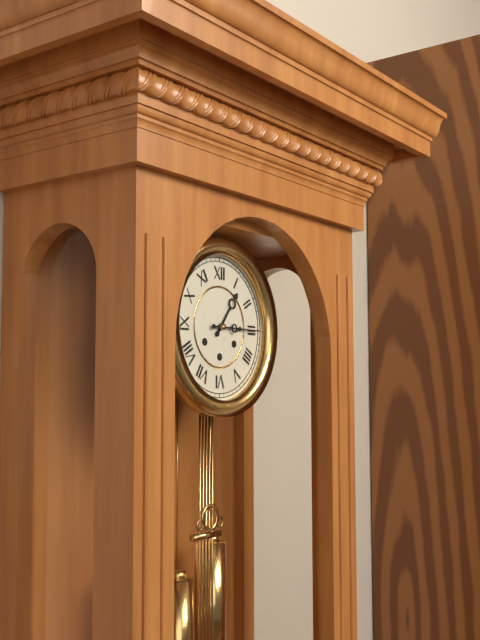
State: 1:15
